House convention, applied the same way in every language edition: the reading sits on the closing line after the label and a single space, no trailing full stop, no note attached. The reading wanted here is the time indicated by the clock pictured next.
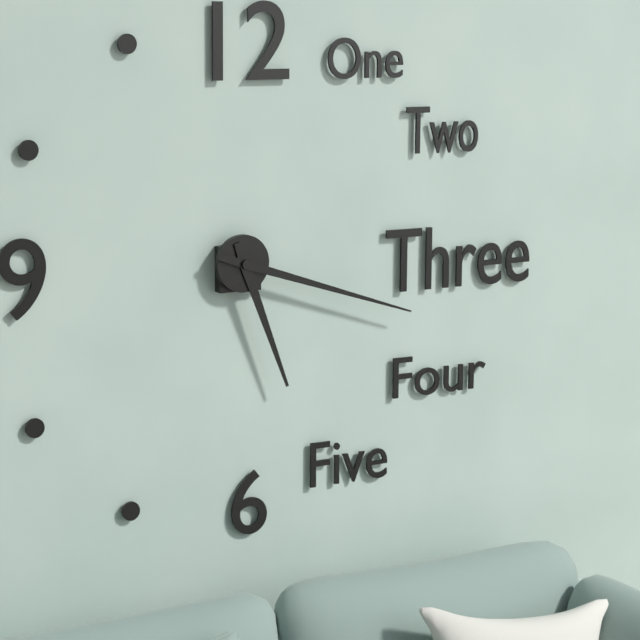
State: 5:18
